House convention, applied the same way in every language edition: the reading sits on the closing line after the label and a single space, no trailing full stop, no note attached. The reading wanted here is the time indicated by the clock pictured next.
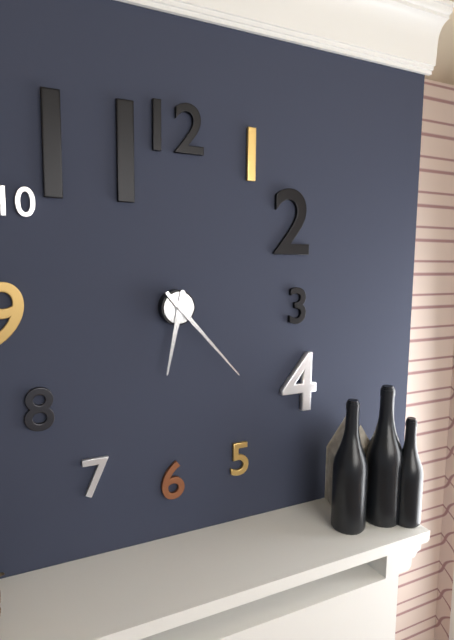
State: 6:23
